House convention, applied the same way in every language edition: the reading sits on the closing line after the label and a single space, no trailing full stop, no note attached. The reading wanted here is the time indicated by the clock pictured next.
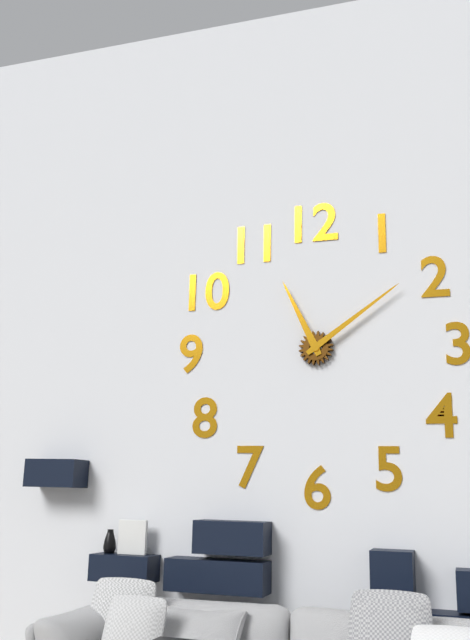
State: 11:09
